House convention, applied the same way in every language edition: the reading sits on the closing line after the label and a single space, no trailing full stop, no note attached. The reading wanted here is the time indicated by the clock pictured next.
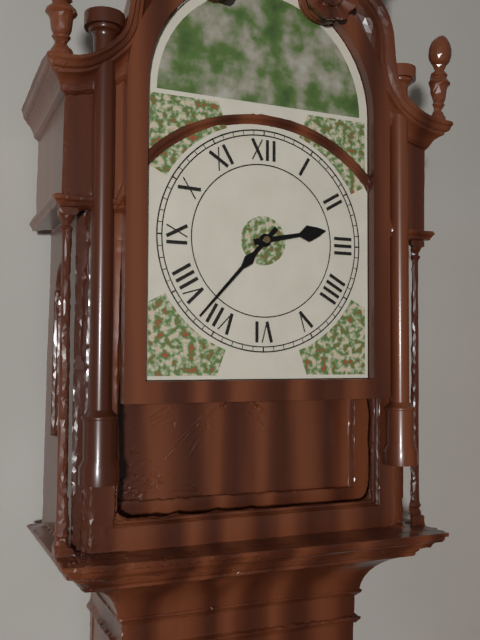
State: 2:37
